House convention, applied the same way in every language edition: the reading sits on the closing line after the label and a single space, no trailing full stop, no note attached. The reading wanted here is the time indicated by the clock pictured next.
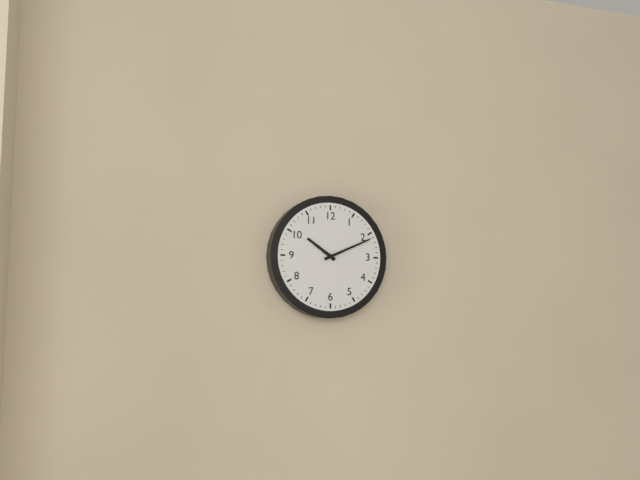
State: 10:11
